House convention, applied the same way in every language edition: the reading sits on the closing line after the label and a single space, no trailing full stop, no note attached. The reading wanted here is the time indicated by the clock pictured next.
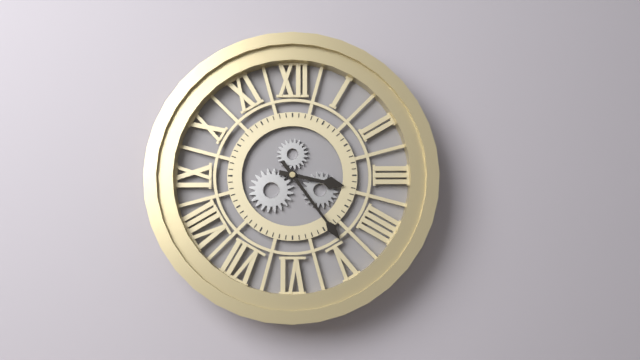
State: 3:24
